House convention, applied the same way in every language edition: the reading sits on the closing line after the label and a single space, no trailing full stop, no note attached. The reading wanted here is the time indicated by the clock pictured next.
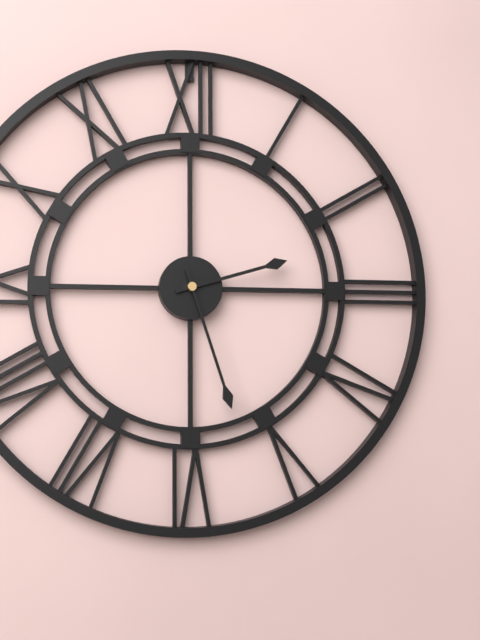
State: 2:27
